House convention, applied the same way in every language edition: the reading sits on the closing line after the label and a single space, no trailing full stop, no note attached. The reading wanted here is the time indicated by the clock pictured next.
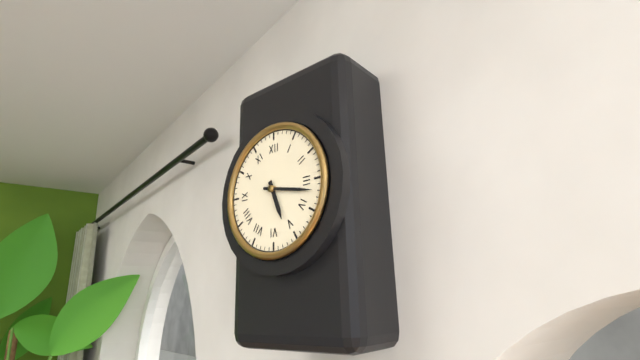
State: 5:17
